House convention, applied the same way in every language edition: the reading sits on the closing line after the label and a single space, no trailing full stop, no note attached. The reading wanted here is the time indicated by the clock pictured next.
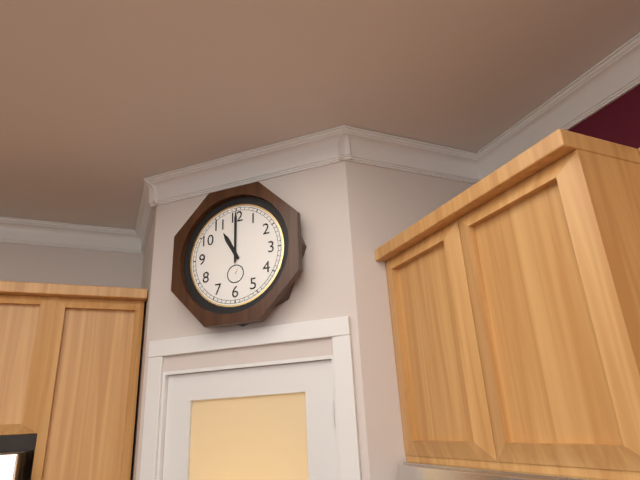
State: 11:00
